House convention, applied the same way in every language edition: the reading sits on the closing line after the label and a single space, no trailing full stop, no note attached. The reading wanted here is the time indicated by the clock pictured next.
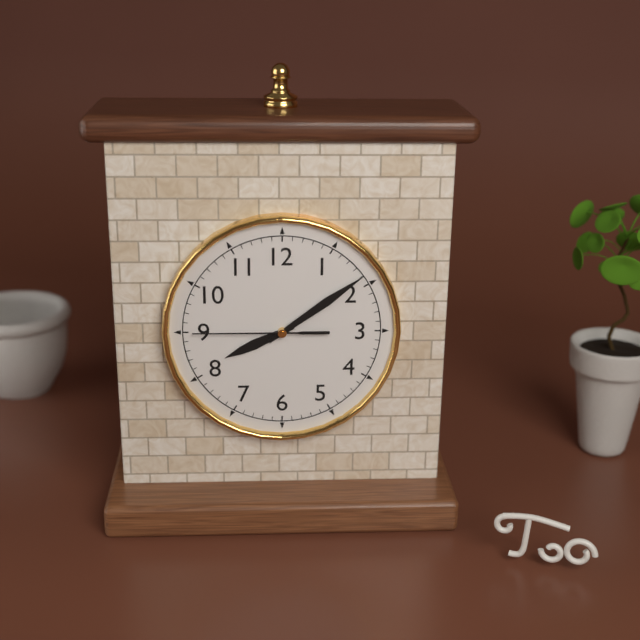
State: 8:09:45
